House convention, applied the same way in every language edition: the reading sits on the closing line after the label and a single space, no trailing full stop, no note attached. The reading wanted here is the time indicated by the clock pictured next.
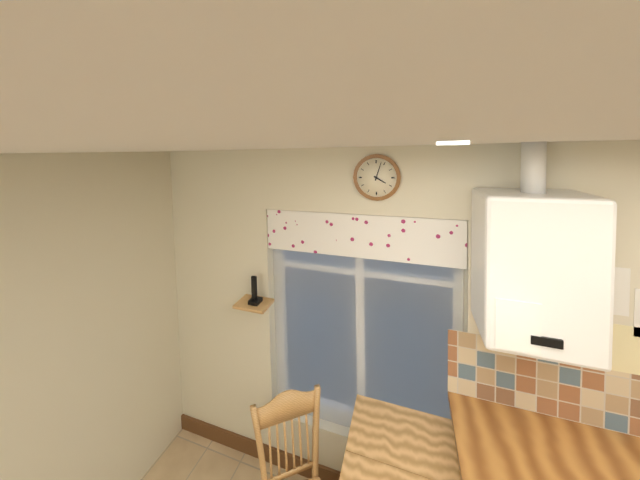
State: 4:03
